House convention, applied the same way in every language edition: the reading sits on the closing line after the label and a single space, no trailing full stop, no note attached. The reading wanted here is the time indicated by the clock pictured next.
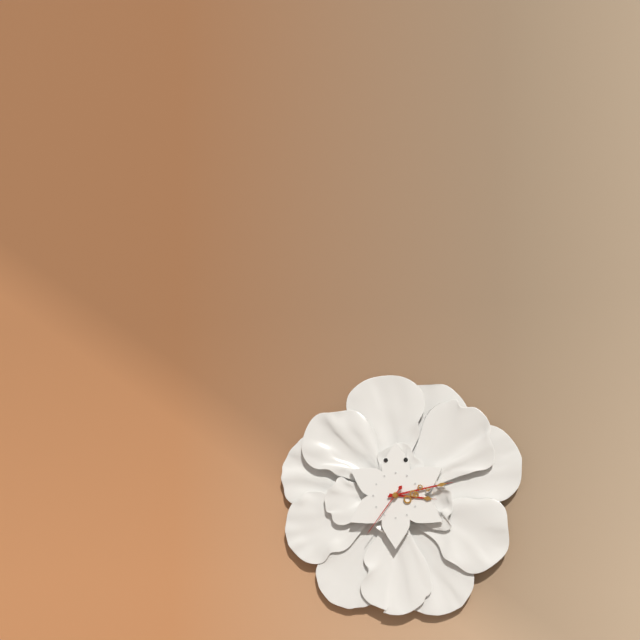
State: 3:13:36
